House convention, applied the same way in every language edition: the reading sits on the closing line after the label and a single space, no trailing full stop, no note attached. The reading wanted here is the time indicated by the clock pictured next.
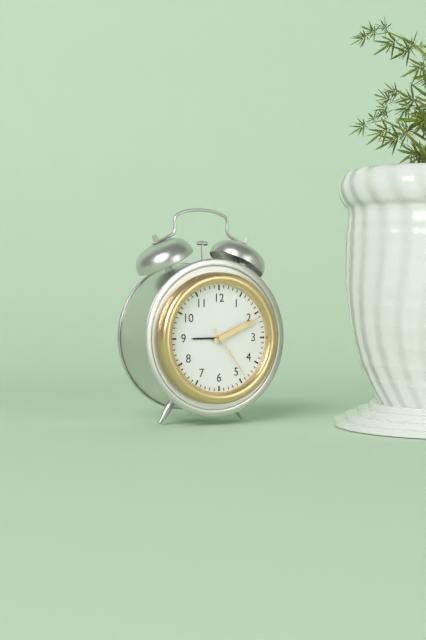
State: 2:11:24
